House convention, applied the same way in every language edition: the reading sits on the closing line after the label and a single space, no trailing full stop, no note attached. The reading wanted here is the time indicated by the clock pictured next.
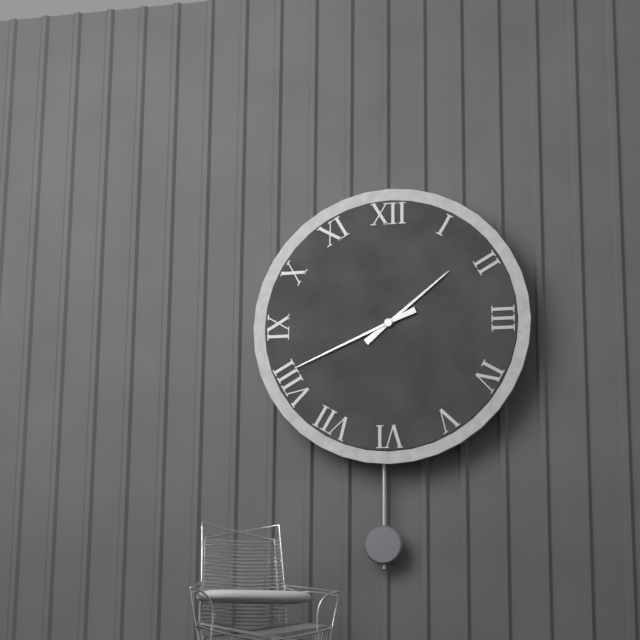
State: 1:41
